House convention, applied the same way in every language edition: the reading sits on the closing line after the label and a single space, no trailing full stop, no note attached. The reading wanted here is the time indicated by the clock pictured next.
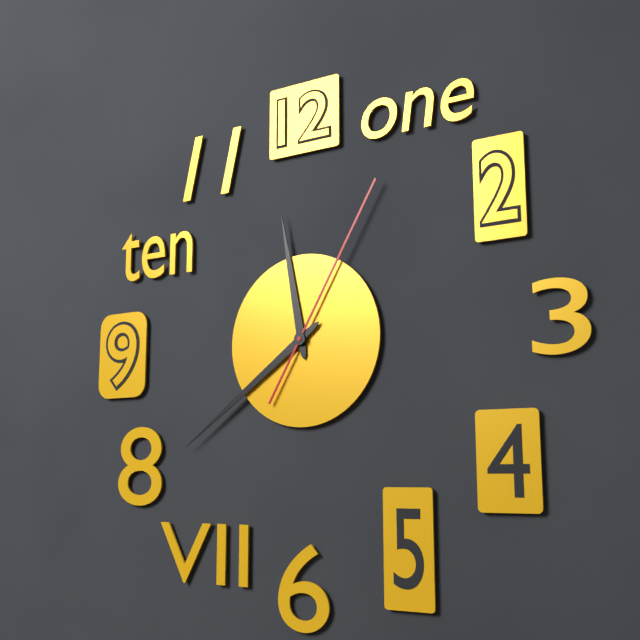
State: 11:39:05
